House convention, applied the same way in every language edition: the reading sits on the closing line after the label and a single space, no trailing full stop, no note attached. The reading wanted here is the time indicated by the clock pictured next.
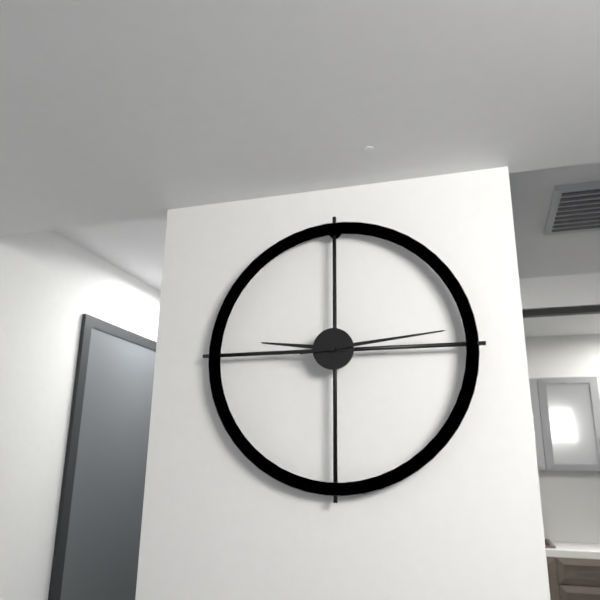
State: 9:14
